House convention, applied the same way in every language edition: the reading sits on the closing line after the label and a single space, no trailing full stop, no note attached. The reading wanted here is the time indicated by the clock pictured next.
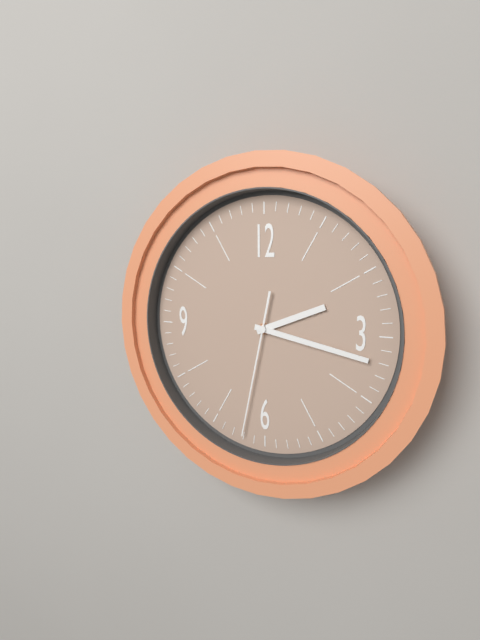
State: 2:17:32
